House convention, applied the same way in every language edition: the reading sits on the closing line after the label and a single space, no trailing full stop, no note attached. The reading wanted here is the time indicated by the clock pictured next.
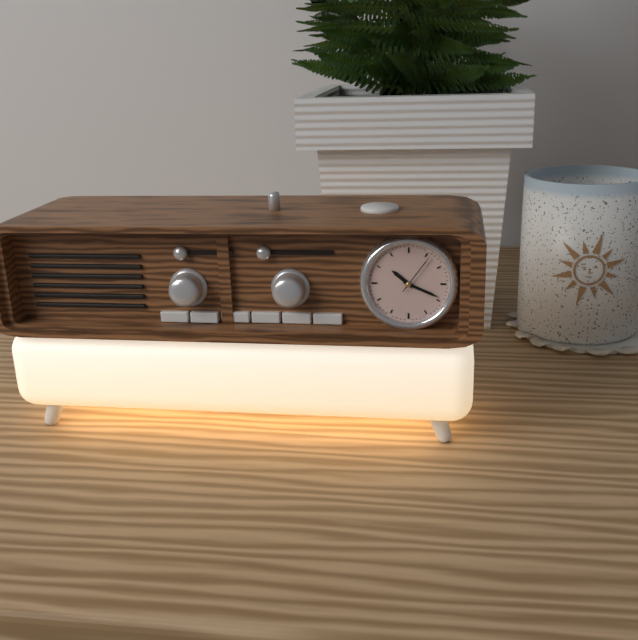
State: 10:19
